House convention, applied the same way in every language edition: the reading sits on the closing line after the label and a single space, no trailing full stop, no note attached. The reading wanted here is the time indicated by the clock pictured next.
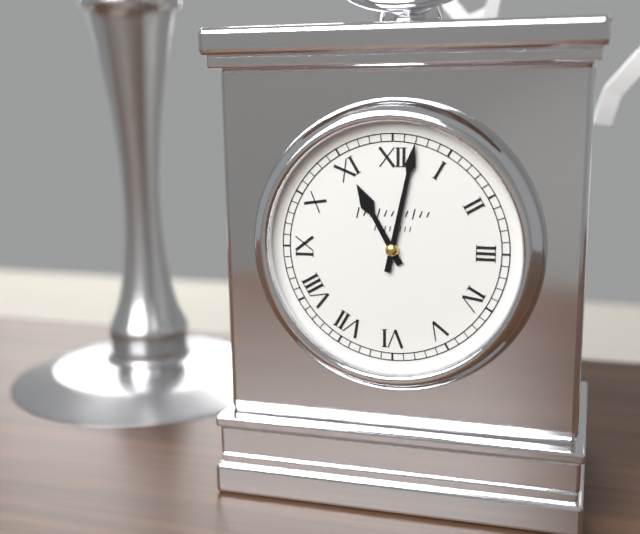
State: 11:02
